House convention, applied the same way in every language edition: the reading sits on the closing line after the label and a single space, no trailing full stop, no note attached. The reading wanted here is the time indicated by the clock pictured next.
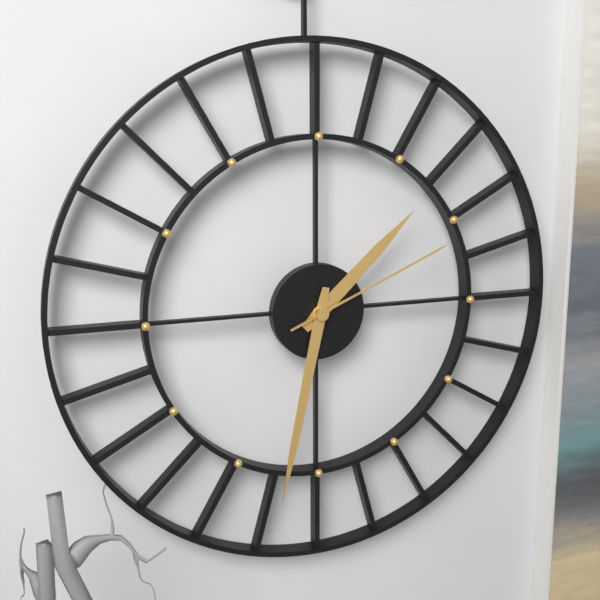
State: 1:32:11
